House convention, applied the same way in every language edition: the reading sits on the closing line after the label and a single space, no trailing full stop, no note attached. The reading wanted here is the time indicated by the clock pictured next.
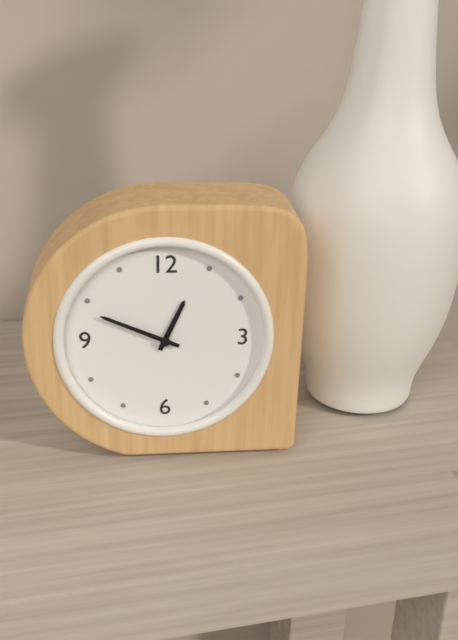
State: 12:49
